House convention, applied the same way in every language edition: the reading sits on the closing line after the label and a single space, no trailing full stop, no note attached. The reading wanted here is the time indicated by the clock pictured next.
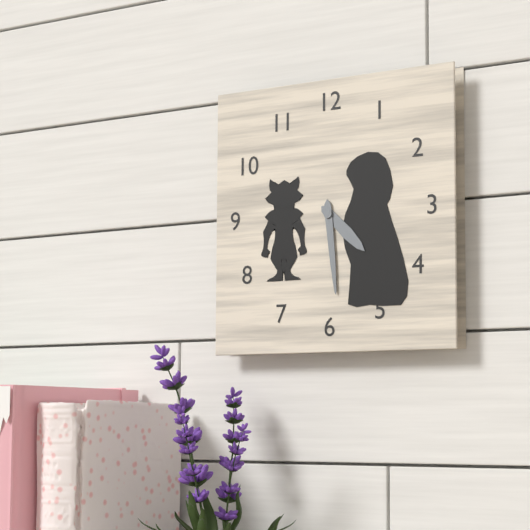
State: 4:29
